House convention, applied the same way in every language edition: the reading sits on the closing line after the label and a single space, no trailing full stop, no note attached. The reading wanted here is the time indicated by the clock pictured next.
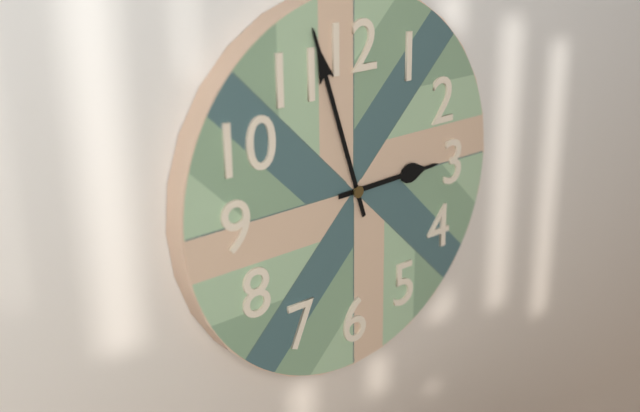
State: 2:57
